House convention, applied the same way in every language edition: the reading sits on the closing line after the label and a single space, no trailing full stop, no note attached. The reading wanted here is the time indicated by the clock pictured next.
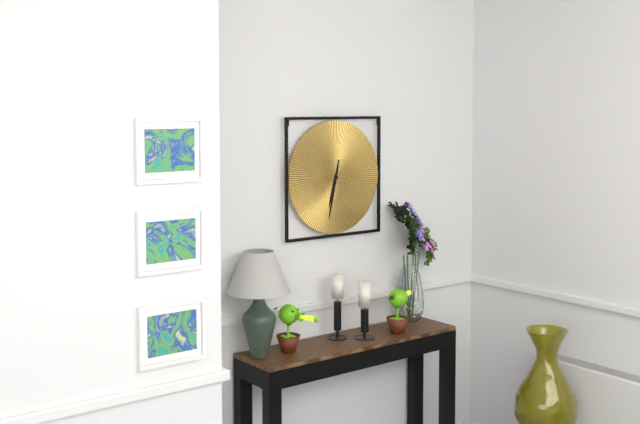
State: 6:32
